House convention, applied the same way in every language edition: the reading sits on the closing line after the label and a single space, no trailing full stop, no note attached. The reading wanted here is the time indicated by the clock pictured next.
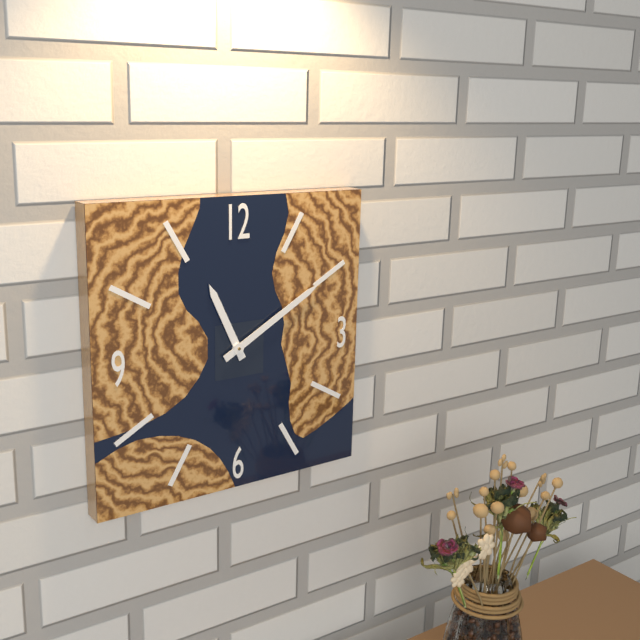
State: 11:10
